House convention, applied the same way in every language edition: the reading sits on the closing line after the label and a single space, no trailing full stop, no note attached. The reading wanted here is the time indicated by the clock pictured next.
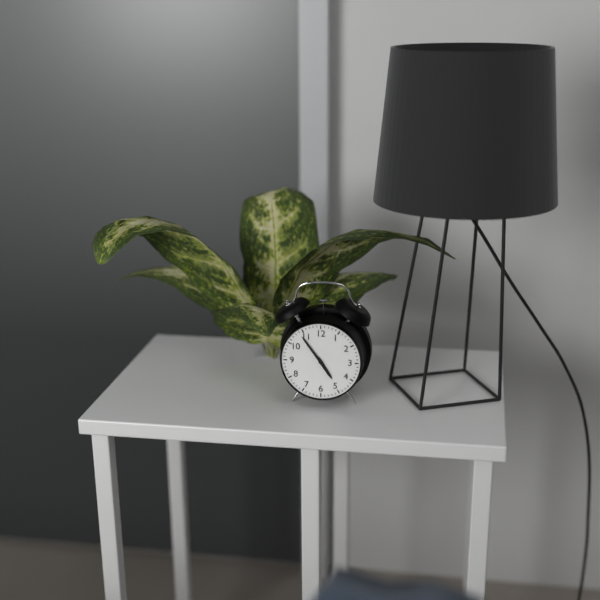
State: 4:54
